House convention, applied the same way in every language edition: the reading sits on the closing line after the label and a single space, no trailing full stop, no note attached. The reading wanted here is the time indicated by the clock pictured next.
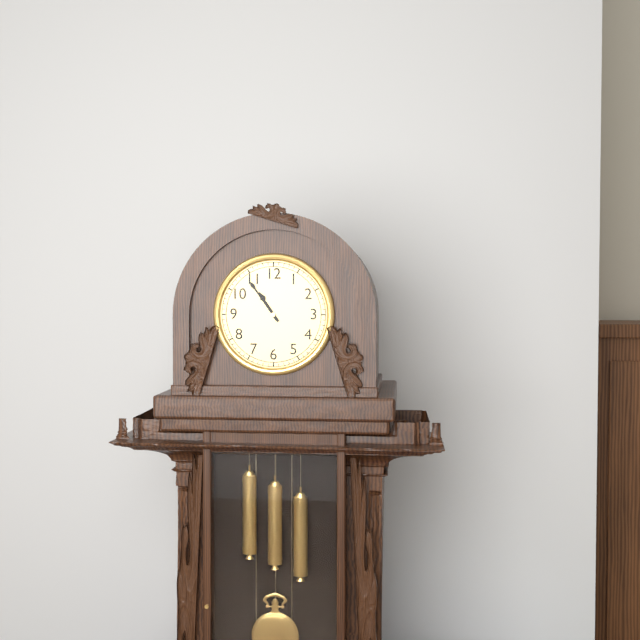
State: 10:54
